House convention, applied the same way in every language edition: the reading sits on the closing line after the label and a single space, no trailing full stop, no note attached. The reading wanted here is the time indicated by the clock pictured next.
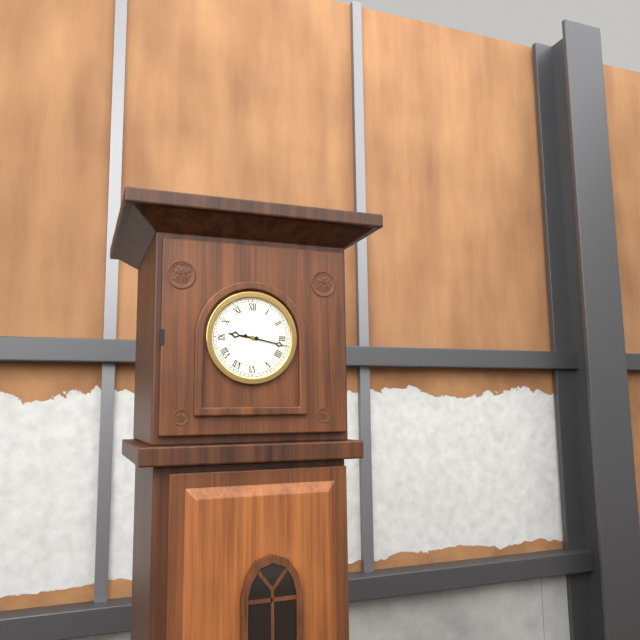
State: 9:17
